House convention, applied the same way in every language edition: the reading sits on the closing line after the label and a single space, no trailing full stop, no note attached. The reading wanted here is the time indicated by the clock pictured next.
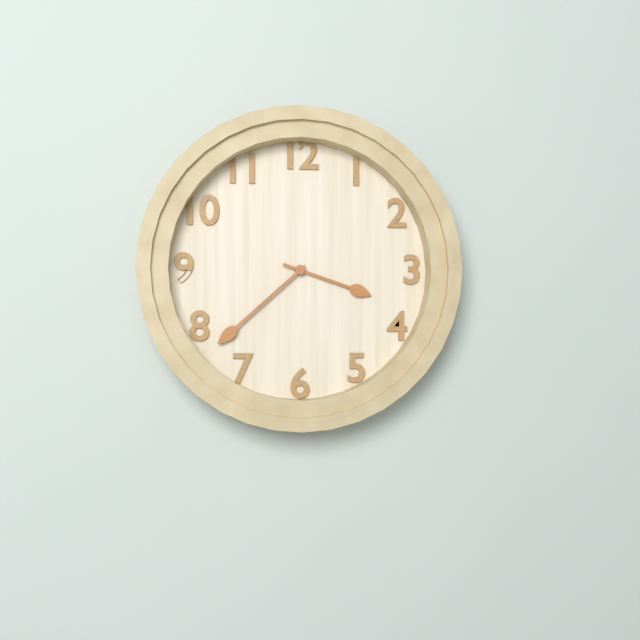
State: 3:38
